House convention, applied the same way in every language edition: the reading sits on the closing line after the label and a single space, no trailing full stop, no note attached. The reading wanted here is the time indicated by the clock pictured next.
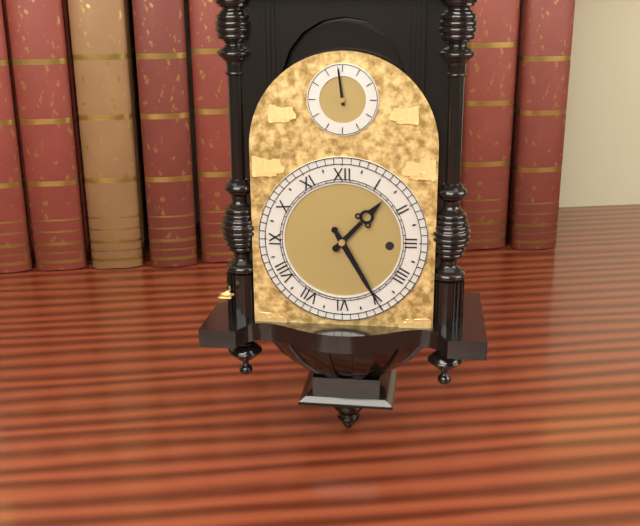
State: 1:25
